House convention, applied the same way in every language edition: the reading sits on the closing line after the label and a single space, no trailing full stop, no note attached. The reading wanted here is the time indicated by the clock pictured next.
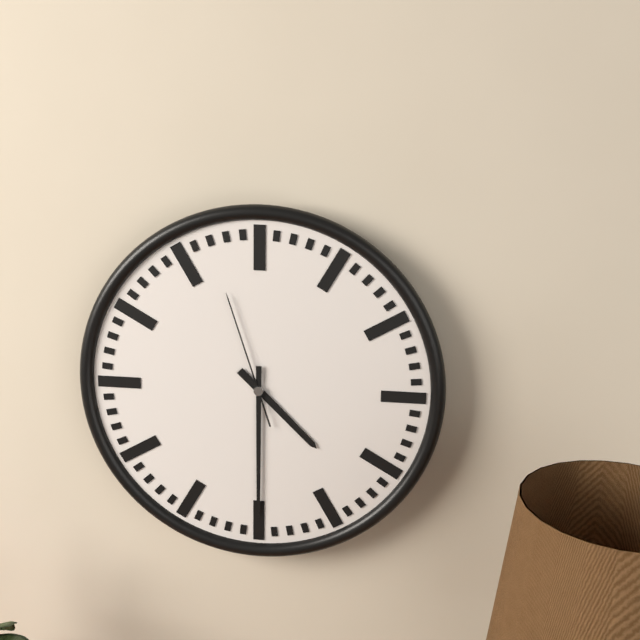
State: 4:30:57
